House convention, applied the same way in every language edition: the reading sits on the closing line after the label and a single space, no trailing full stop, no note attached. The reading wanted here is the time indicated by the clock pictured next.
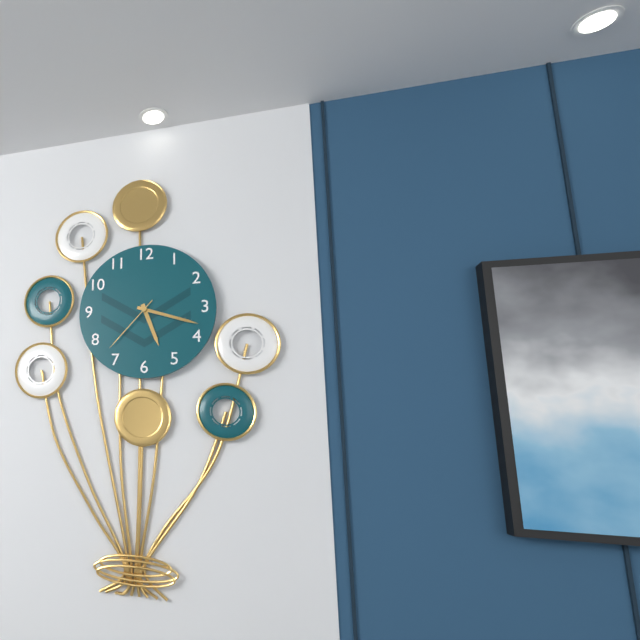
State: 5:18:37
